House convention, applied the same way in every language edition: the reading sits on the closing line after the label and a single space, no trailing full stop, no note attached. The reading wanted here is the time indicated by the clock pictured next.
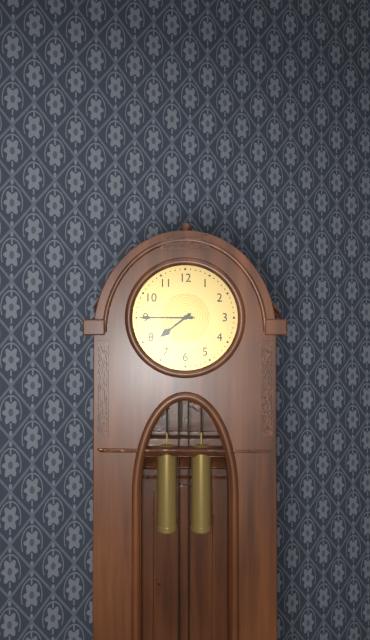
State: 7:45
